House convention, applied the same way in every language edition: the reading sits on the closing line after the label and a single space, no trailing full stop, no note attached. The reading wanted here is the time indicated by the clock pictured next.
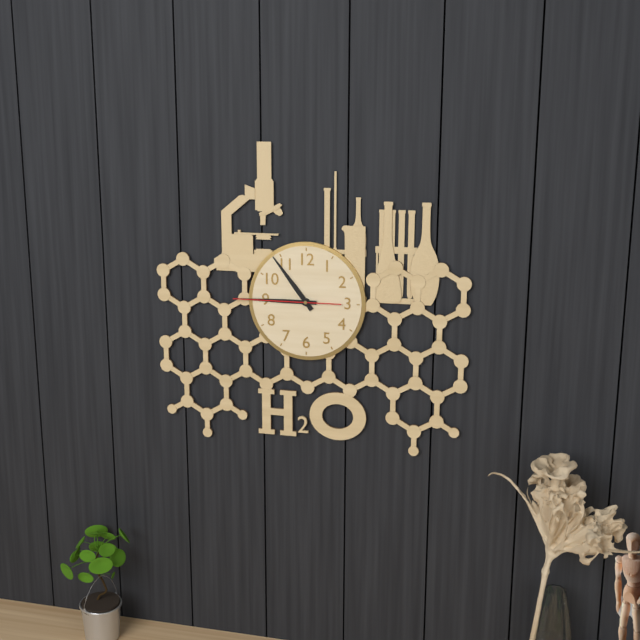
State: 10:45:45
